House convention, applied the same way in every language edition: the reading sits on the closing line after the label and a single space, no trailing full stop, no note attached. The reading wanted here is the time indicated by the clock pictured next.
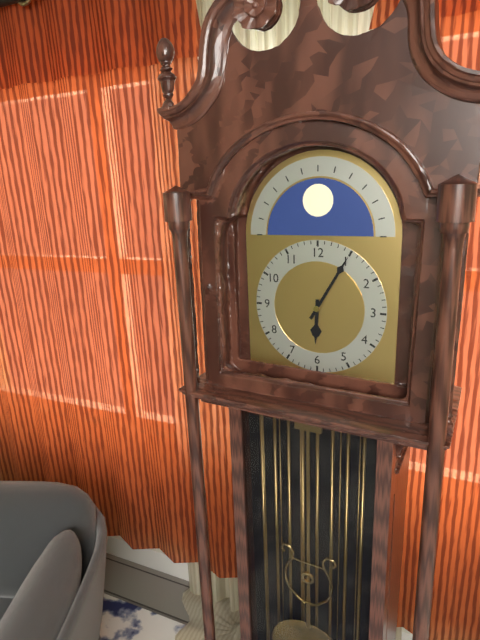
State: 6:05
